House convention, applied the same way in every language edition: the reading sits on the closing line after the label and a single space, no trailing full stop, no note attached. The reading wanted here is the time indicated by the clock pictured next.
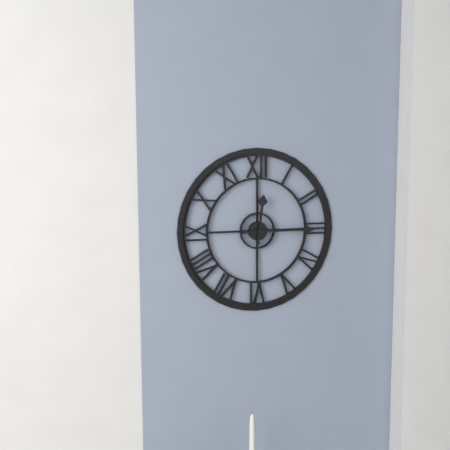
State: 12:15
